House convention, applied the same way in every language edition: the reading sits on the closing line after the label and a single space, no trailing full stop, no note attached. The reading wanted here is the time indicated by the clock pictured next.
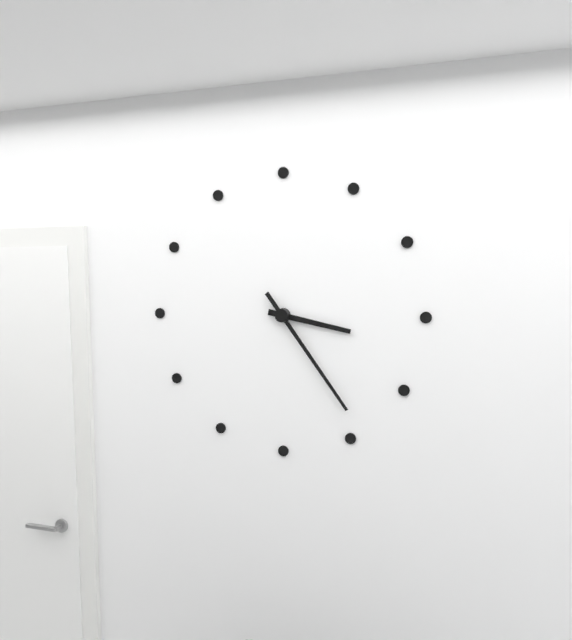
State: 3:24
